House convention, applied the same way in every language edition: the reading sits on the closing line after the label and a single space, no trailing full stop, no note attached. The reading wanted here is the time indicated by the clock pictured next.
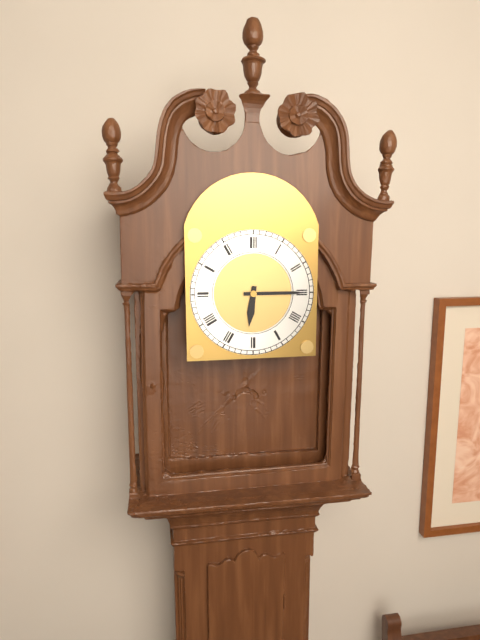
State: 6:15
